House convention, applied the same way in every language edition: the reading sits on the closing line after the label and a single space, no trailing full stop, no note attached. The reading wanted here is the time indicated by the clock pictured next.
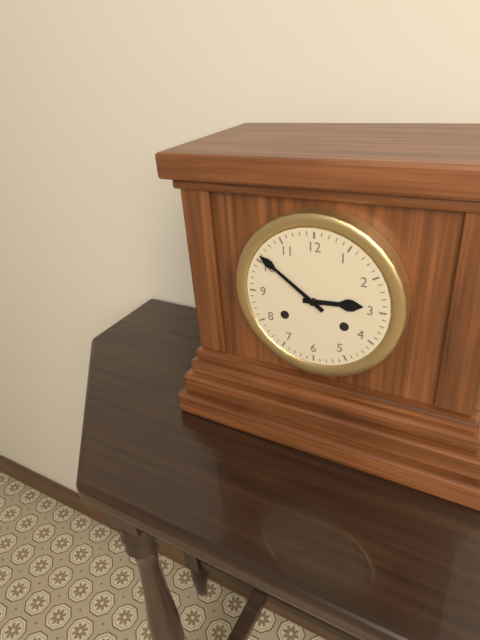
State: 2:51
